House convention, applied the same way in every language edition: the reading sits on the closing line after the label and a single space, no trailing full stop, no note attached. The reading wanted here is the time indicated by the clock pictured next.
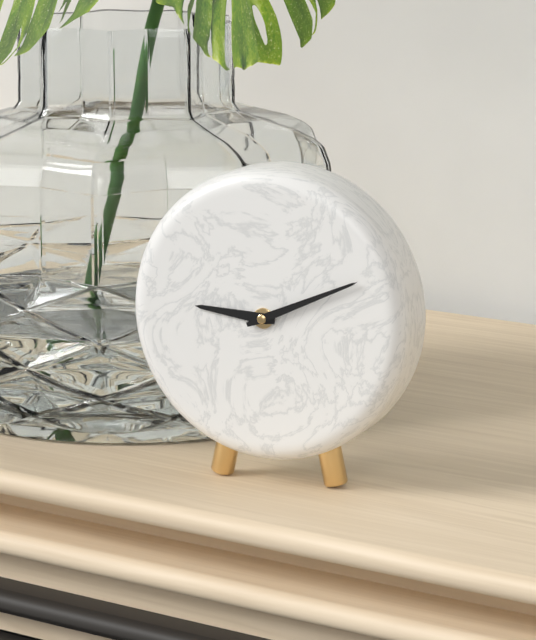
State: 9:11
